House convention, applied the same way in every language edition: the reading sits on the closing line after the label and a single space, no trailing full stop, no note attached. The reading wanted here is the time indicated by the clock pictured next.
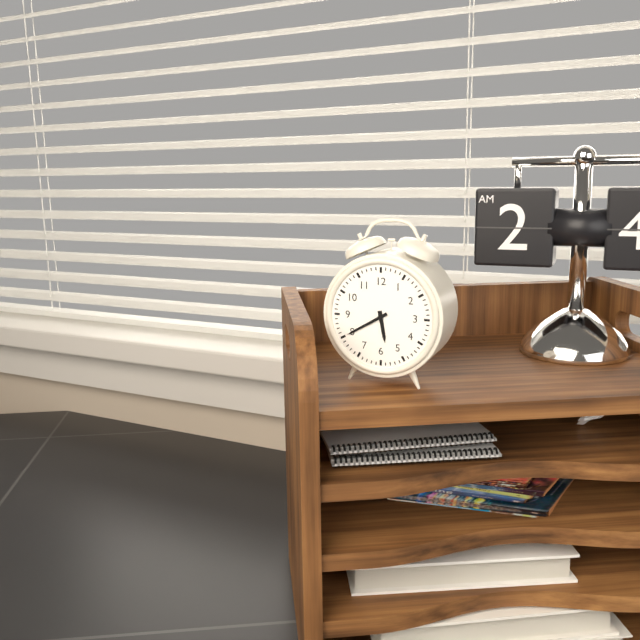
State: 5:40
